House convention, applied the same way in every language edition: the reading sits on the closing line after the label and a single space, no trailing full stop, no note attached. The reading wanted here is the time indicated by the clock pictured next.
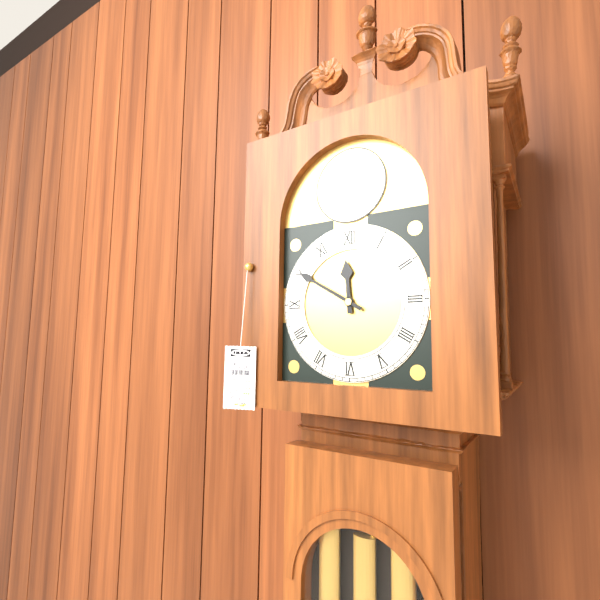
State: 11:50
